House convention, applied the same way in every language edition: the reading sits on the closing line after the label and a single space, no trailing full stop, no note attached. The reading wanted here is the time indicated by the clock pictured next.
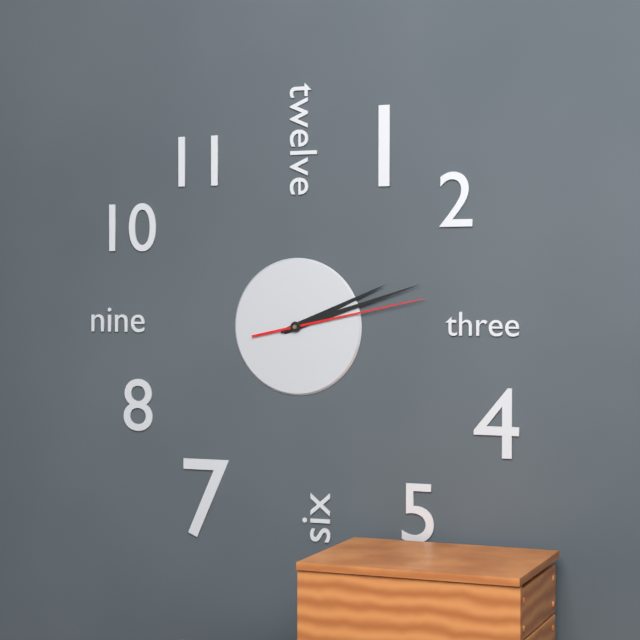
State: 2:12:13
